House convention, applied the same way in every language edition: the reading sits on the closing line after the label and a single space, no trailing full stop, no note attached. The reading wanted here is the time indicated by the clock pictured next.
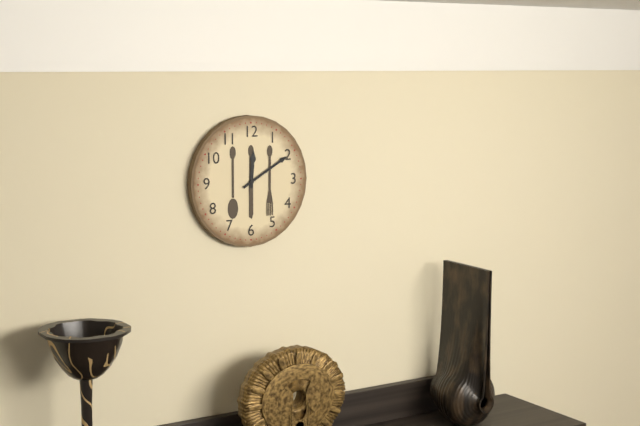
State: 12:10
